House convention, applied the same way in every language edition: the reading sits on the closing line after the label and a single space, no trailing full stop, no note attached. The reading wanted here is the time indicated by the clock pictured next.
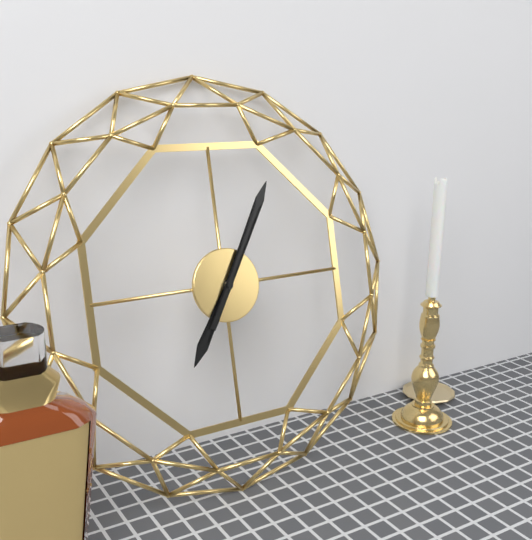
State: 7:05
